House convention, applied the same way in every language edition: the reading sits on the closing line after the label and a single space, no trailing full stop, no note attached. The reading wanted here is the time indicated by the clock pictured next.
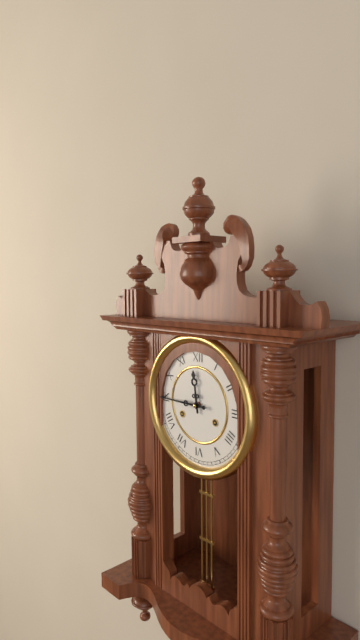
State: 11:45
